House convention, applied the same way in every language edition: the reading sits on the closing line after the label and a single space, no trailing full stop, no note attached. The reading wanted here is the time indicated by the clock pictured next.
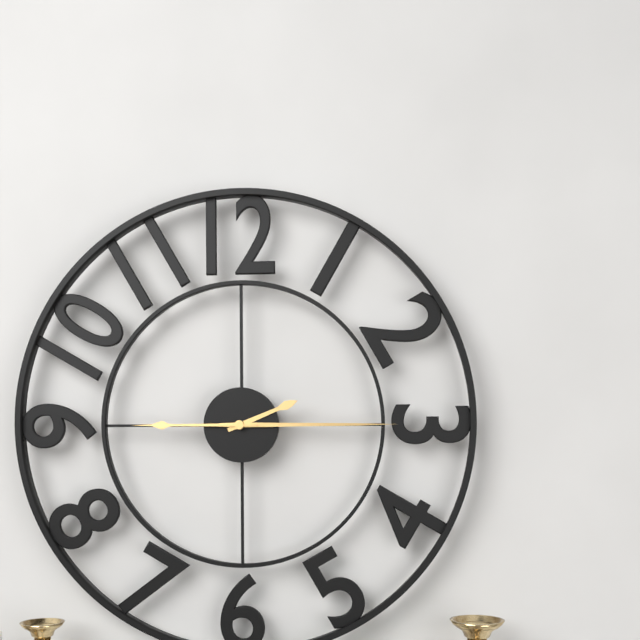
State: 2:15:45
